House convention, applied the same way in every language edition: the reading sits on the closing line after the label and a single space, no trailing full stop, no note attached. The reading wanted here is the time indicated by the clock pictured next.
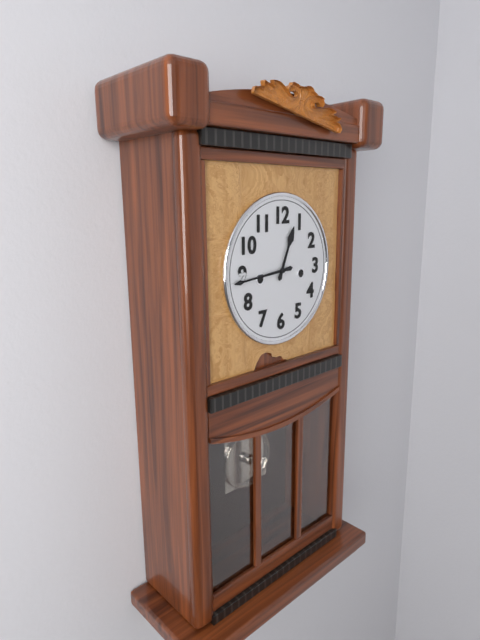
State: 12:44
